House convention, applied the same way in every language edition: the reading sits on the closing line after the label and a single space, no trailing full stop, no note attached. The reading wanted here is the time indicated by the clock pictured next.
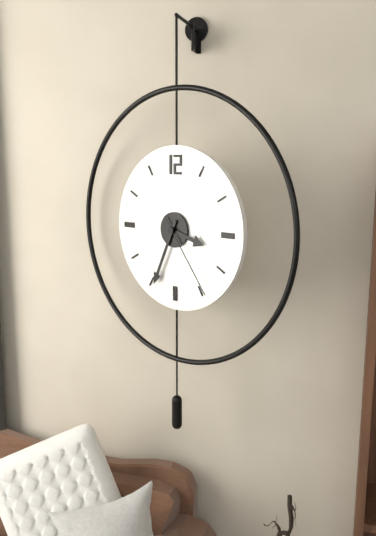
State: 3:34:24
